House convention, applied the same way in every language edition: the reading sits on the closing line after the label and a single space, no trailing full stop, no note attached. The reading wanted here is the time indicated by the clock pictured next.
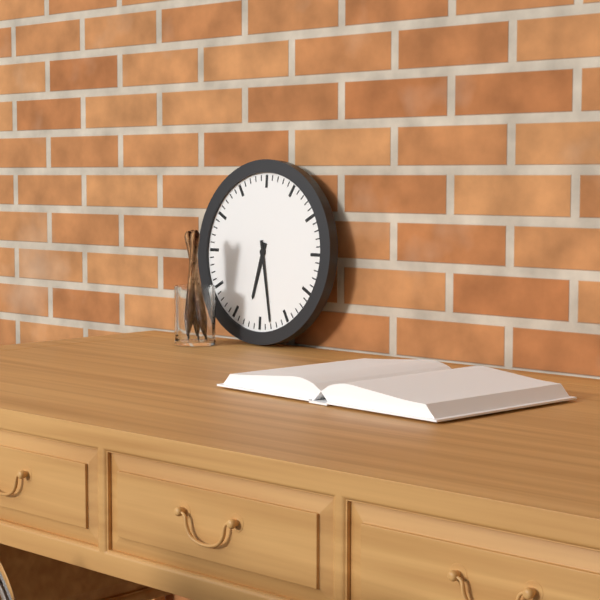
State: 6:28
